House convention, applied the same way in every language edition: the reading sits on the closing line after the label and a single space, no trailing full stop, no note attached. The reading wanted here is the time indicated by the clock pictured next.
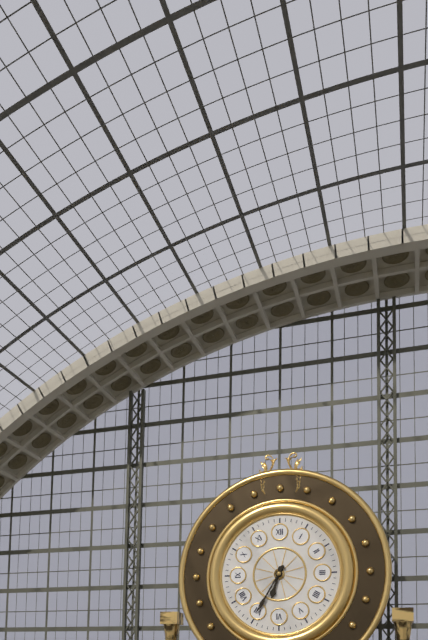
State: 6:35
